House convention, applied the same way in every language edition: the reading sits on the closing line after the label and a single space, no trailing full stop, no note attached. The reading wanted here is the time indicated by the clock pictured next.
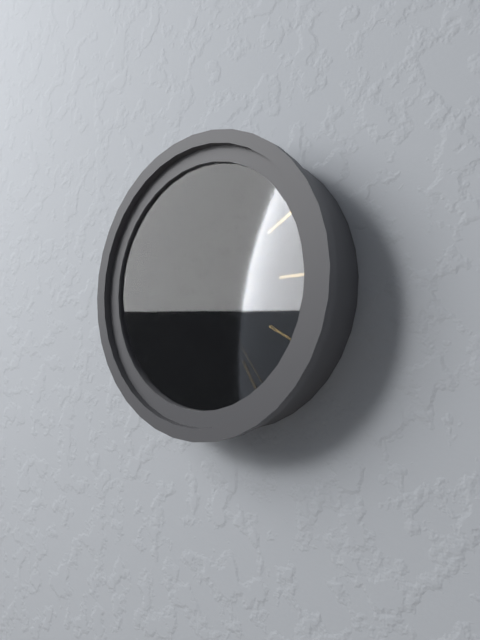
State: 7:40:24
